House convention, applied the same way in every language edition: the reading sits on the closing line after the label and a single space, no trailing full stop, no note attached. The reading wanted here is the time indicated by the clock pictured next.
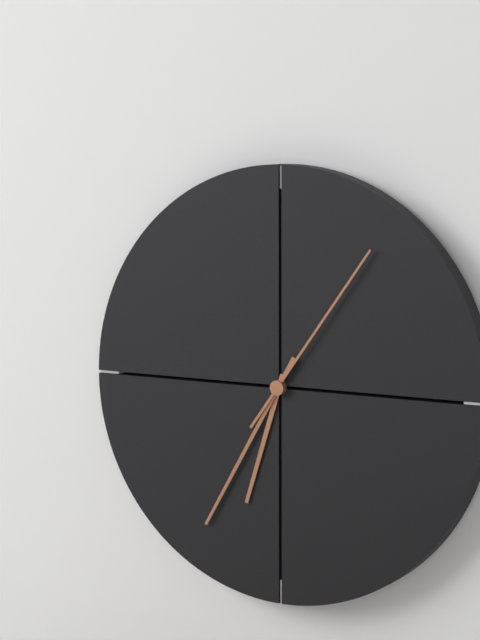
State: 6:35:06
